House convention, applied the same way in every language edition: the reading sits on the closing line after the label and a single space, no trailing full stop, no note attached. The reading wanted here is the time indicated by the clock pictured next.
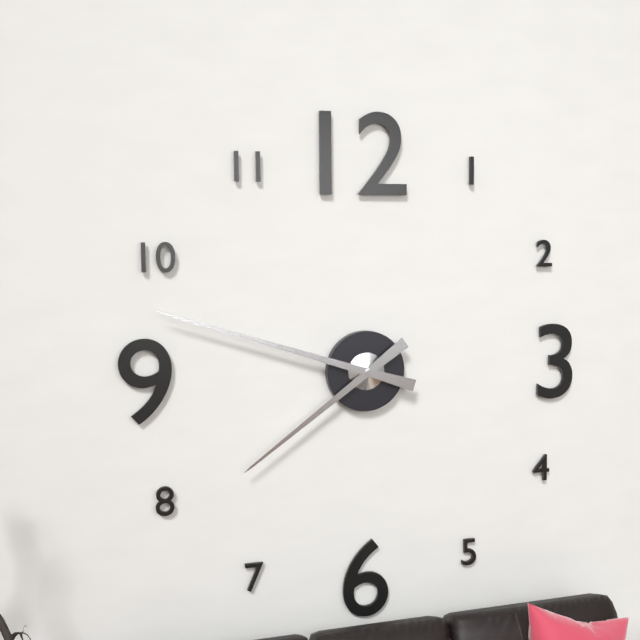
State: 7:48
